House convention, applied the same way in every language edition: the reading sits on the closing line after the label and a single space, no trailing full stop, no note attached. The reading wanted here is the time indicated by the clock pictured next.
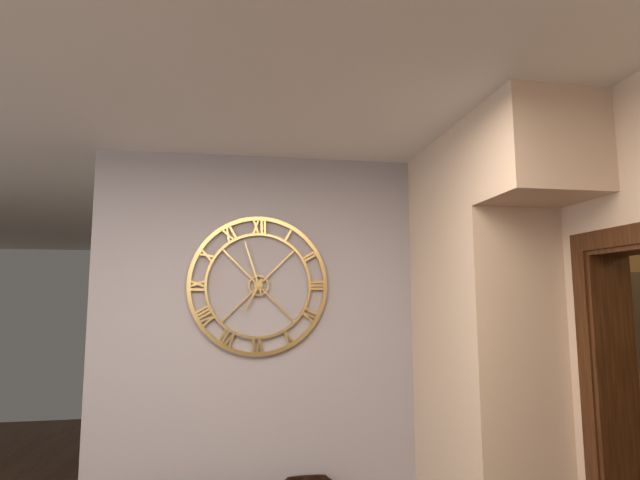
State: 6:57
